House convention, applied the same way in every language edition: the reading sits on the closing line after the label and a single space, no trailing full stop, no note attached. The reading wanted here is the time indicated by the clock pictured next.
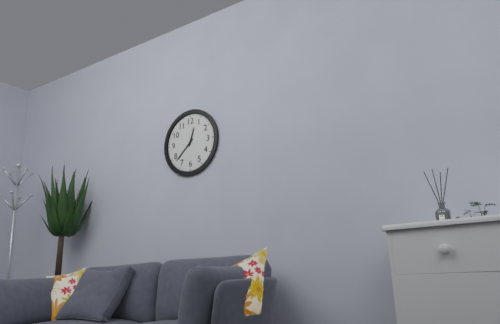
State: 12:38
